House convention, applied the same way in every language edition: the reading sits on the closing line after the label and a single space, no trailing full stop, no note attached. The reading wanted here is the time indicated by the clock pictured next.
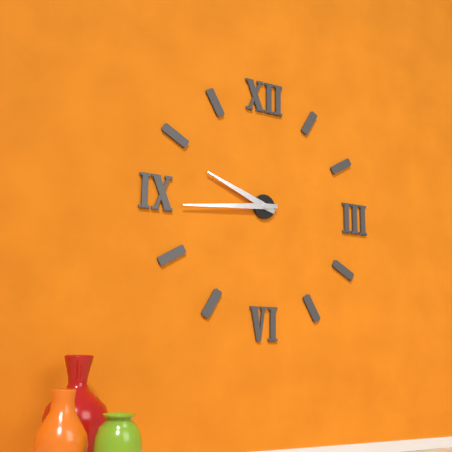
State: 9:44
